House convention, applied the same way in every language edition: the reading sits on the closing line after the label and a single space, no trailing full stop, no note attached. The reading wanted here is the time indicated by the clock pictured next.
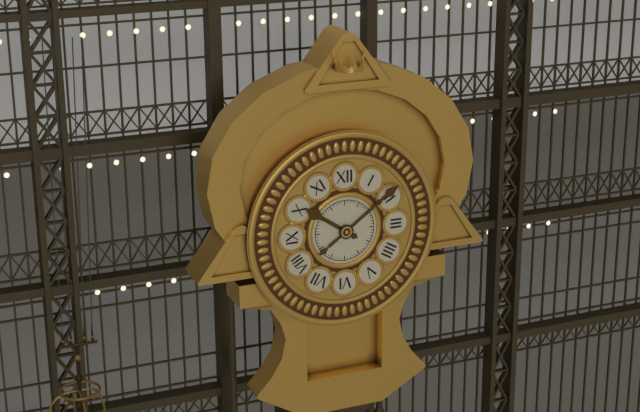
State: 10:09
